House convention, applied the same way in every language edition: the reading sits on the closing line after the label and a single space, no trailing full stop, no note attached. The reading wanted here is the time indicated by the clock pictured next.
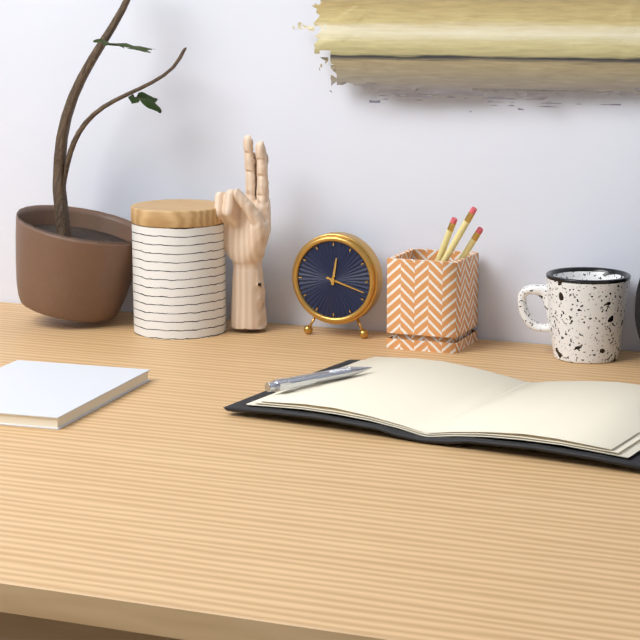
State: 12:18
